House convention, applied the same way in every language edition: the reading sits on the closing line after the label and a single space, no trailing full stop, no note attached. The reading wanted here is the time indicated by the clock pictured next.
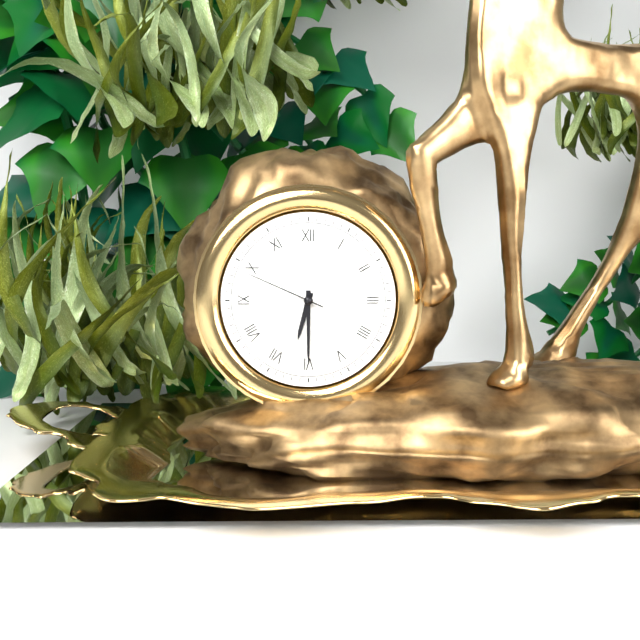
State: 6:30:49
